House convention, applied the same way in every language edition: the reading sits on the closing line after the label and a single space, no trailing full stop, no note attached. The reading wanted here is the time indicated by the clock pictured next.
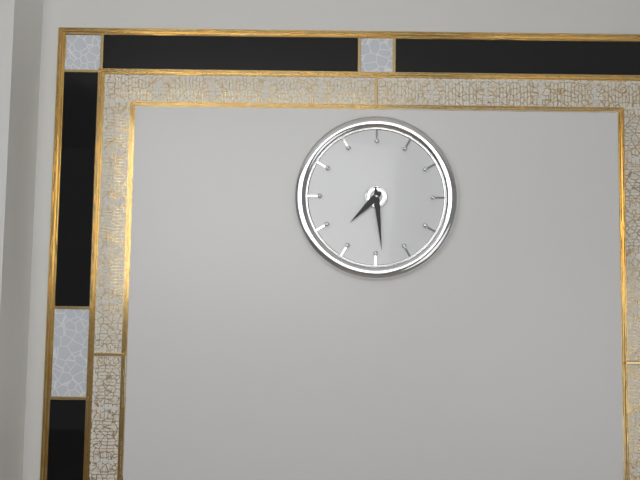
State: 7:29
